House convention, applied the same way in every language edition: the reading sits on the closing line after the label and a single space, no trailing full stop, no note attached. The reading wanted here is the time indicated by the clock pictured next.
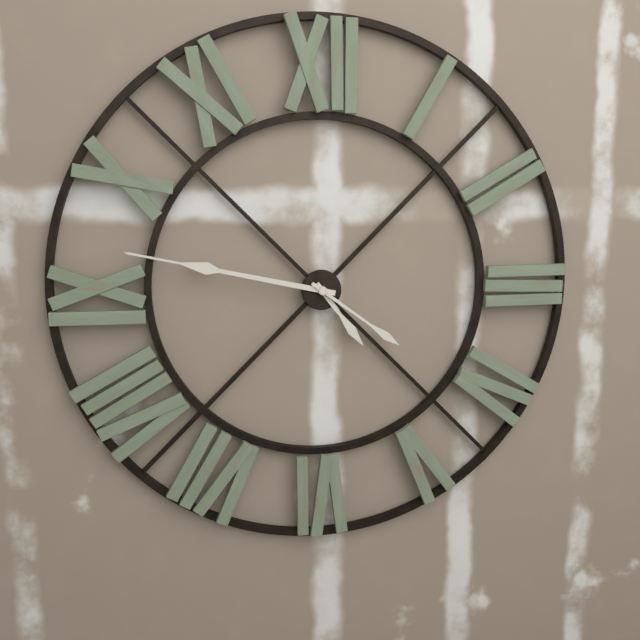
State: 4:47:21
